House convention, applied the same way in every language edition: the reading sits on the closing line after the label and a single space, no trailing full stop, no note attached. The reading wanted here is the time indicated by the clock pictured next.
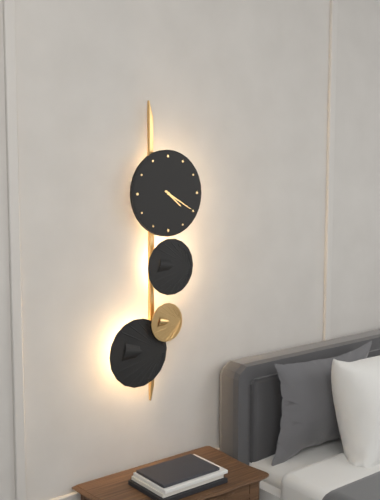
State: 4:20
